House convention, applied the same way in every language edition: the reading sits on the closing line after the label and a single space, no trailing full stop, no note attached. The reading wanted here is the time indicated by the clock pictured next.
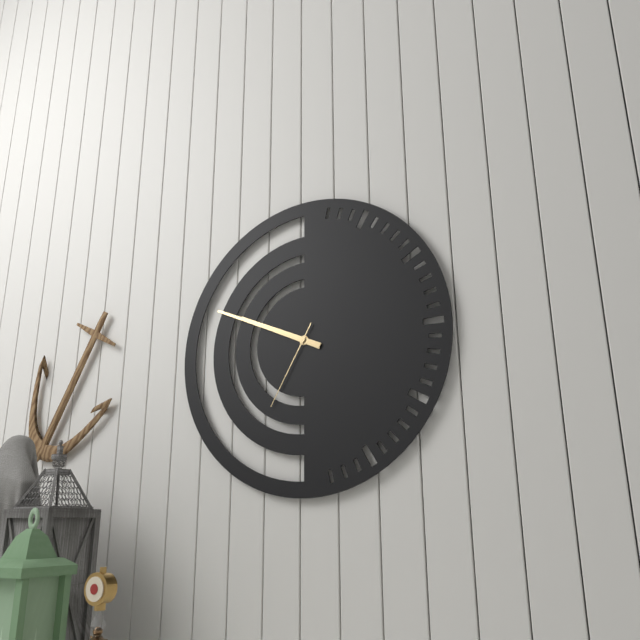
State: 9:49:35
